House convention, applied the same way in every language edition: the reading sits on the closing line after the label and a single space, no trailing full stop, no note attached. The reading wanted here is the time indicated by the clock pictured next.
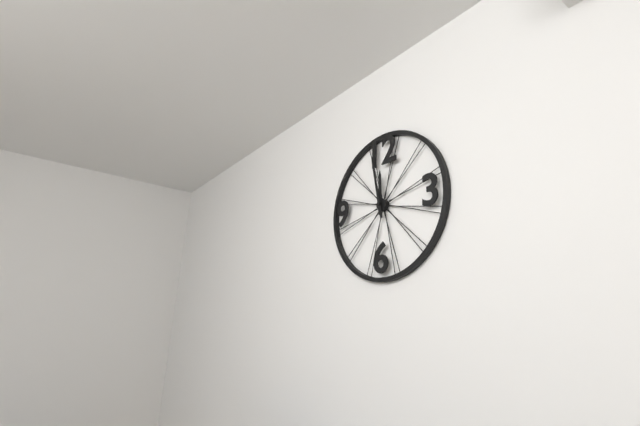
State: 11:58
